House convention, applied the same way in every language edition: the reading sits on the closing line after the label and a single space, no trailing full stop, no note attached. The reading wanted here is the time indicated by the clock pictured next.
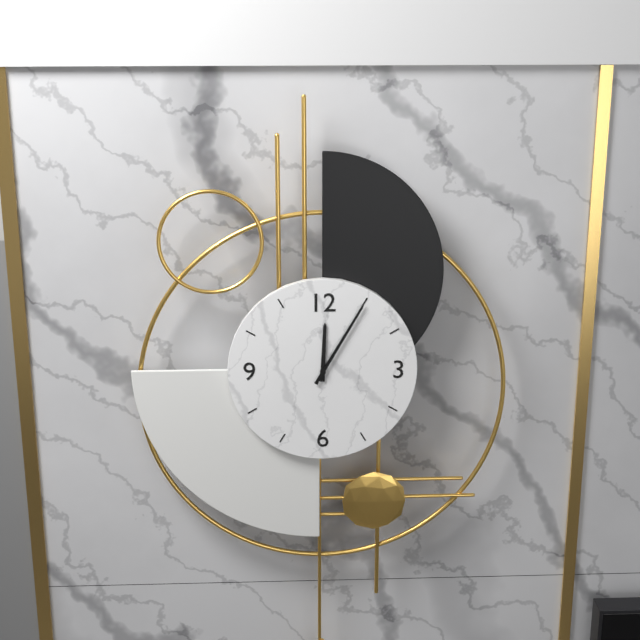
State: 12:05
